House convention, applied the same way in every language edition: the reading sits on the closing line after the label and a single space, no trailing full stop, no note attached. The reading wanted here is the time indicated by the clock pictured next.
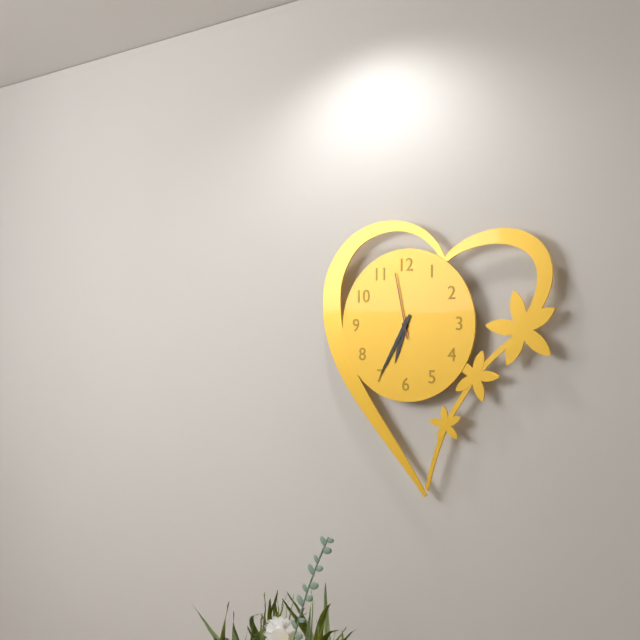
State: 6:35:58
